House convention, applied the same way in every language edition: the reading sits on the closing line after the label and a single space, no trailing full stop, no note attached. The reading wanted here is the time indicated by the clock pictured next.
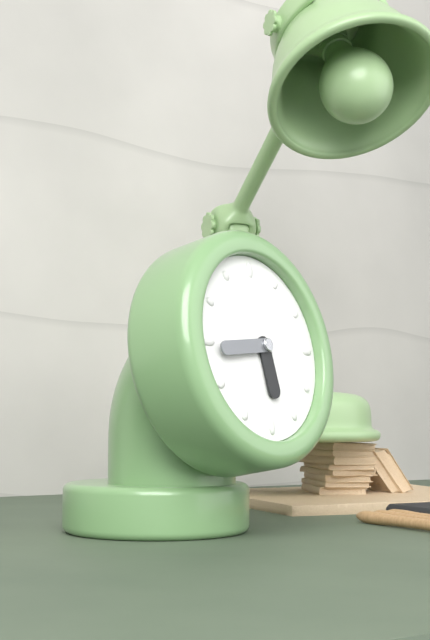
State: 5:44
